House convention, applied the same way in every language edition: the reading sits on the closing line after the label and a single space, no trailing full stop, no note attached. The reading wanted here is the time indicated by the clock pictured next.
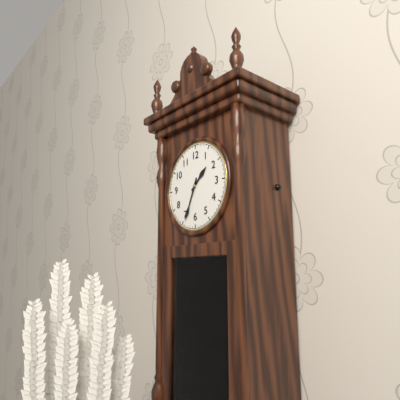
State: 1:34
